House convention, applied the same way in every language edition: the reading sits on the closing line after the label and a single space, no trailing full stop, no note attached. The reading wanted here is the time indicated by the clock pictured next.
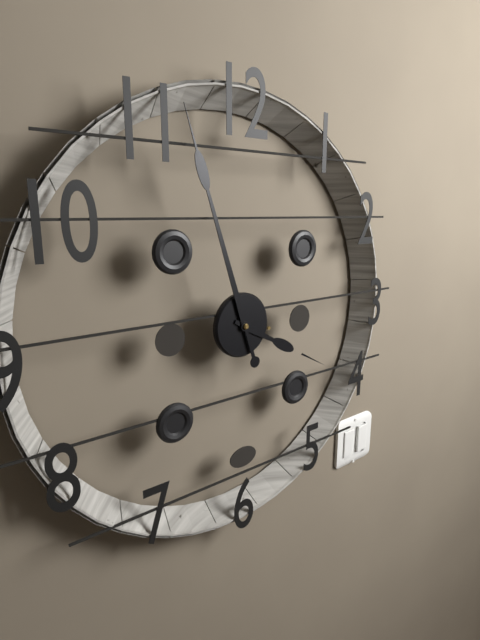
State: 3:57
